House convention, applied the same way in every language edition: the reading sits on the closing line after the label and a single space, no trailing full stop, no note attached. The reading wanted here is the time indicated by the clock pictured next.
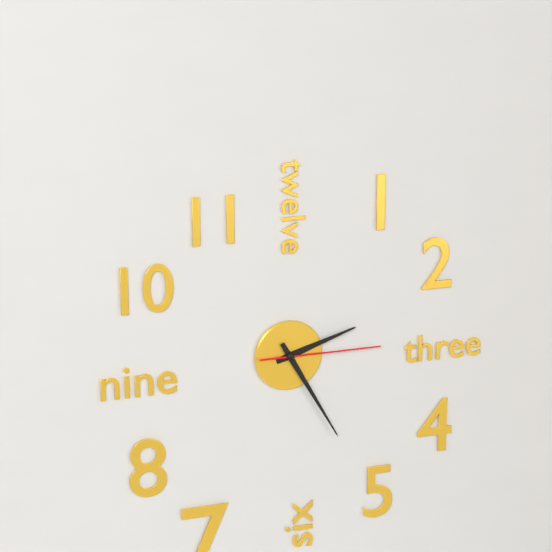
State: 2:25:15
